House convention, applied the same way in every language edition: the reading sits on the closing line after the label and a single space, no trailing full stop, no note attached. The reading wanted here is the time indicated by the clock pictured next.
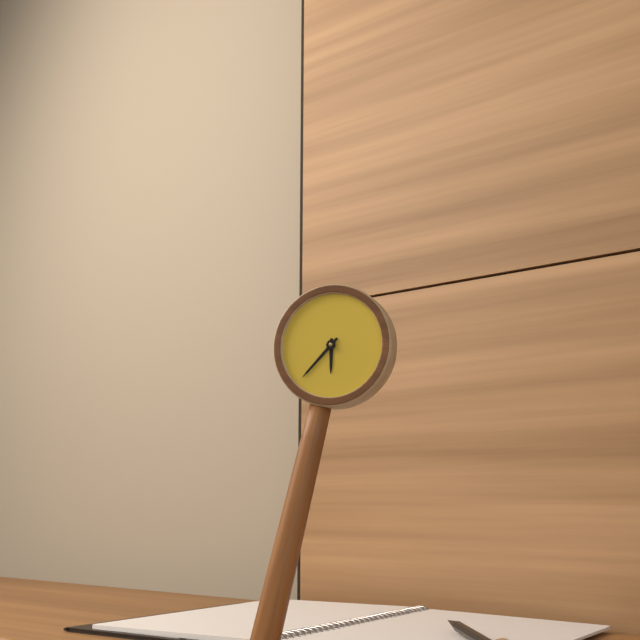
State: 5:35
